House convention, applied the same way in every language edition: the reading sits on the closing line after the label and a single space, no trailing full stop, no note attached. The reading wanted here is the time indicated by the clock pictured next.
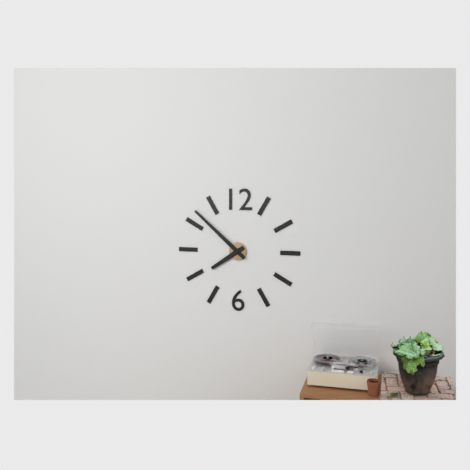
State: 7:52
